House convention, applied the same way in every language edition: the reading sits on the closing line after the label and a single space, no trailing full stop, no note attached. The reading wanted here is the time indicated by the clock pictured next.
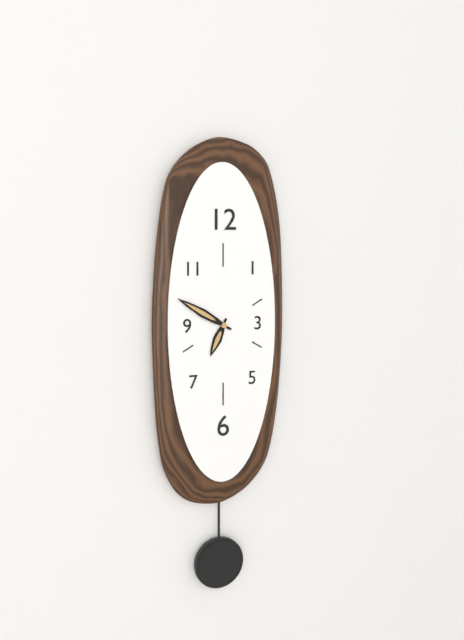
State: 6:50
